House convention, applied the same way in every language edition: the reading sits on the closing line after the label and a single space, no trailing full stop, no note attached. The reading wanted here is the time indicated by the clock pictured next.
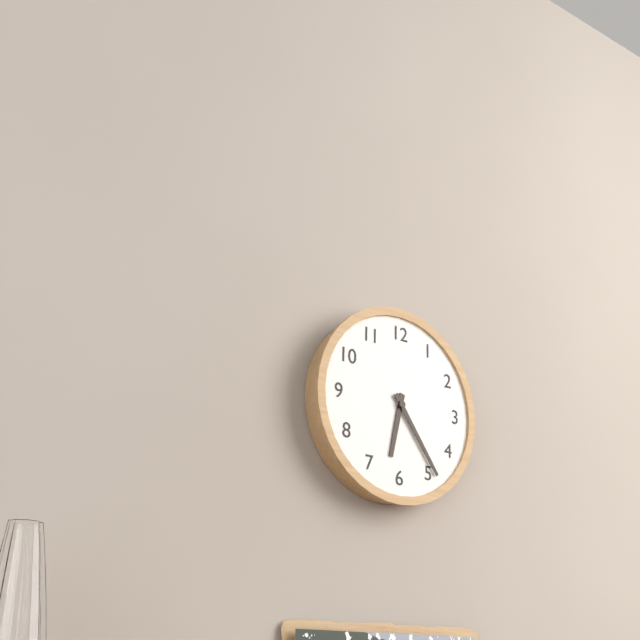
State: 6:24
